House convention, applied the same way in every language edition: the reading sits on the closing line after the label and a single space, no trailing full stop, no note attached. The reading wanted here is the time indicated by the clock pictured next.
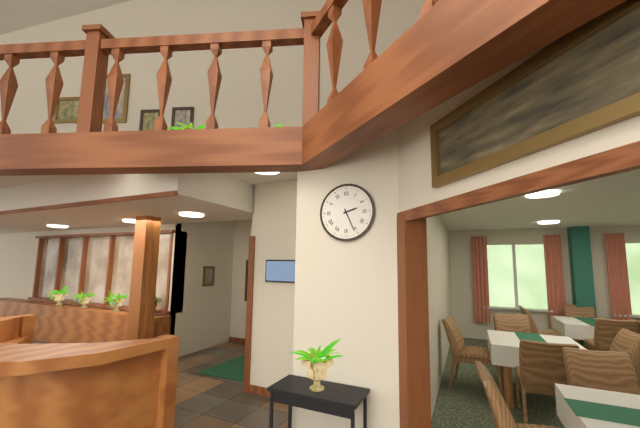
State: 2:26
